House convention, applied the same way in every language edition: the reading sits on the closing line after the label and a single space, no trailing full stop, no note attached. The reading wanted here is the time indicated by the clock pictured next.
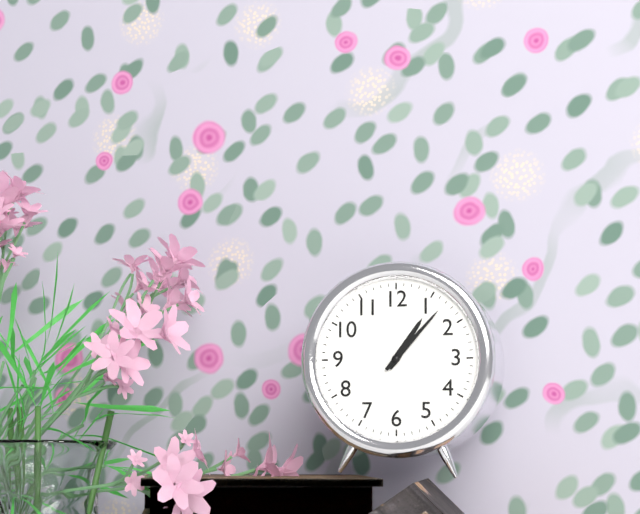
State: 1:07
